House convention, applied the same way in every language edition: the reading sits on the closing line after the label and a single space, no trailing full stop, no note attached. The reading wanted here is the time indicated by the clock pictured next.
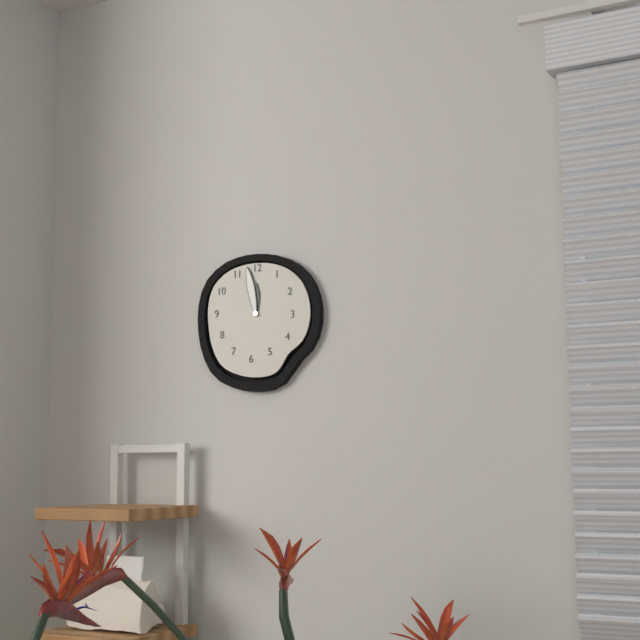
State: 11:58
